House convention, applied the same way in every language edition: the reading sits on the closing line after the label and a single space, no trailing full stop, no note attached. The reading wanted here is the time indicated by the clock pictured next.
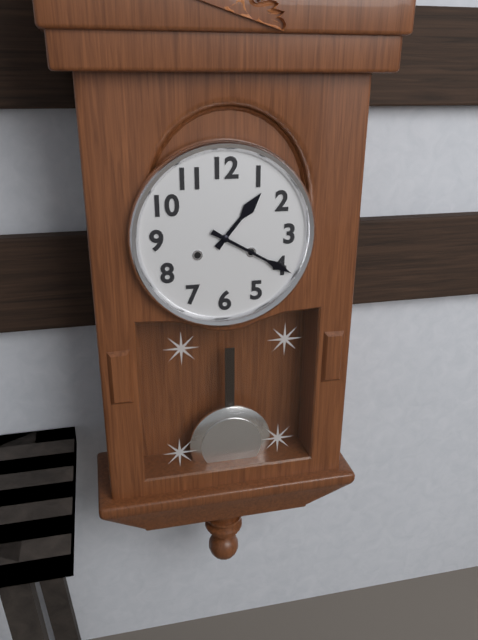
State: 1:20
